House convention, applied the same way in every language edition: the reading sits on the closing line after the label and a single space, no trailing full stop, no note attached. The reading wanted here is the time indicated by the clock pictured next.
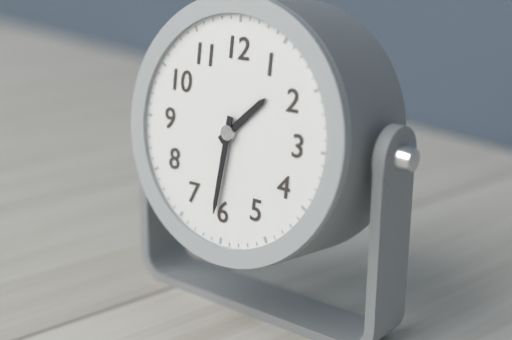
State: 1:31
